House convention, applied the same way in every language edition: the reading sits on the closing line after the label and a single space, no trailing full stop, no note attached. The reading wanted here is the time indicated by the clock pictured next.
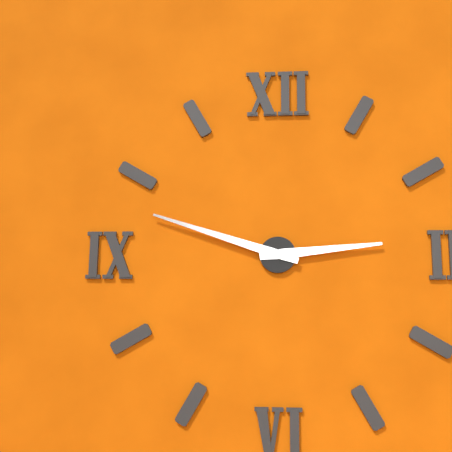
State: 2:48
